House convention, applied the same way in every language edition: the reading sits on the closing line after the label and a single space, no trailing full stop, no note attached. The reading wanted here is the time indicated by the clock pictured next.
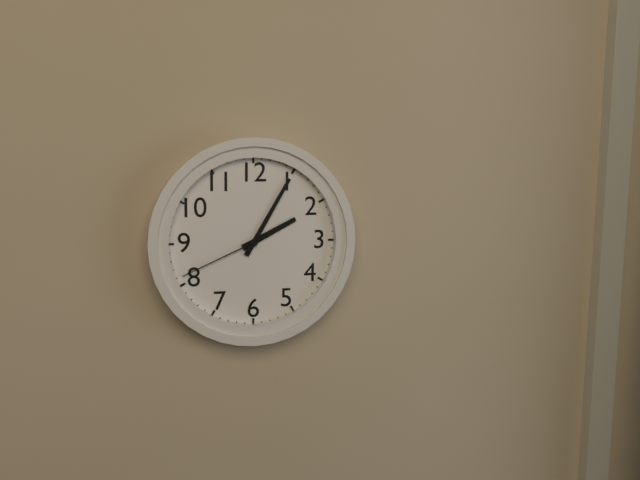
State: 2:05:41
